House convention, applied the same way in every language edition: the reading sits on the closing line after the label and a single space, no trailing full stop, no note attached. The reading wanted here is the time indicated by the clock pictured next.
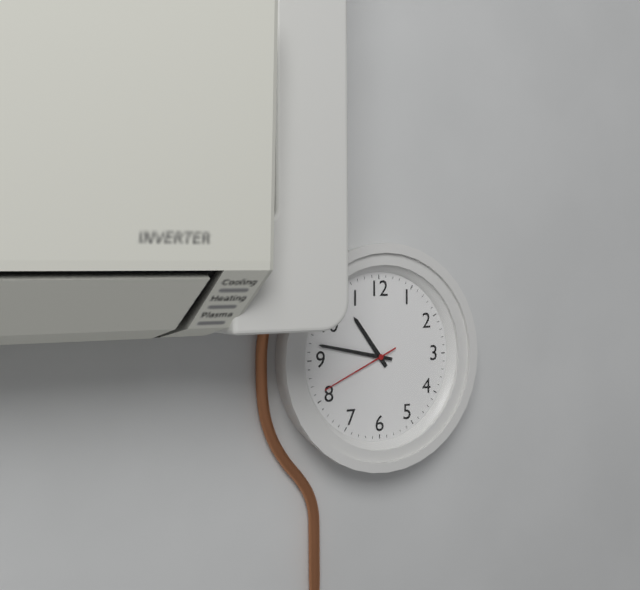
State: 10:47:41
